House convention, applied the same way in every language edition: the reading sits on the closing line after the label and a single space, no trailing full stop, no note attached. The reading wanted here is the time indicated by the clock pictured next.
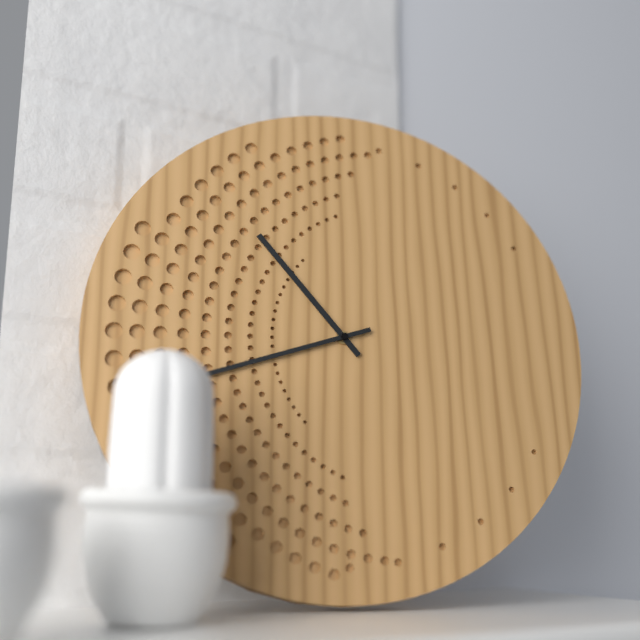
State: 10:42
